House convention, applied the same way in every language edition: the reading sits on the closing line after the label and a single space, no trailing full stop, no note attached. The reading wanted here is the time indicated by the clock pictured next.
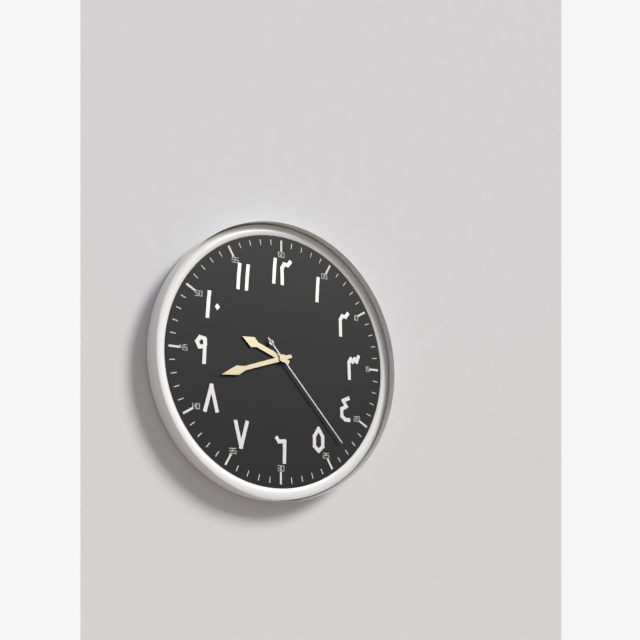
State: 9:42:23
